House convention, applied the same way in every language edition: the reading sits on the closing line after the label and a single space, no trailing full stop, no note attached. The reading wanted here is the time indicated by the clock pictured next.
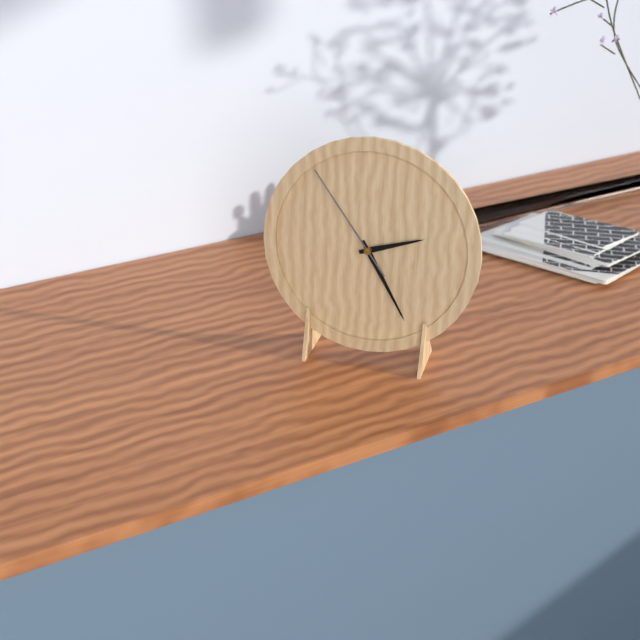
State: 2:25:54
